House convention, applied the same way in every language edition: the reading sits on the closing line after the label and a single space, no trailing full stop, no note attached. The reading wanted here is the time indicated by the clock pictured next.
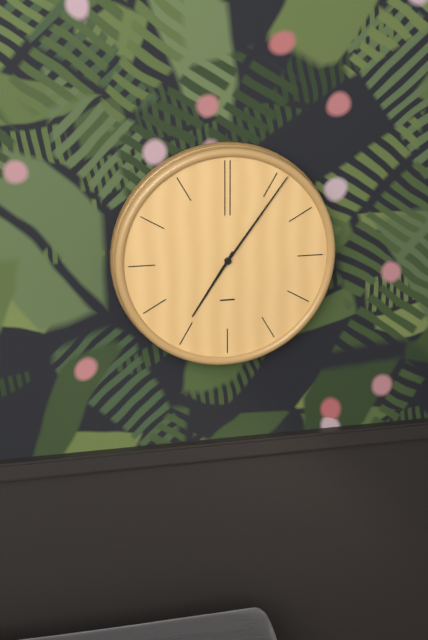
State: 7:06
